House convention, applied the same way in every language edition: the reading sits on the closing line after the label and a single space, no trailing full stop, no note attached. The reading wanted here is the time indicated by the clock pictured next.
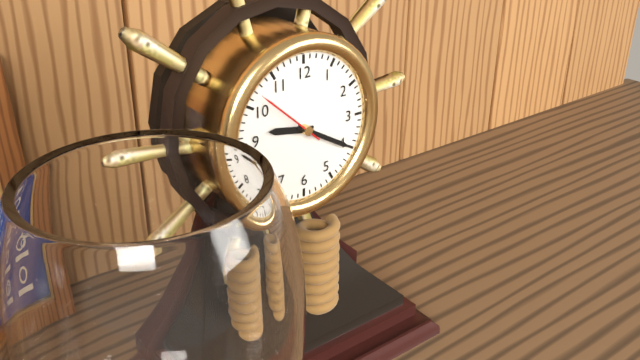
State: 9:20:52
